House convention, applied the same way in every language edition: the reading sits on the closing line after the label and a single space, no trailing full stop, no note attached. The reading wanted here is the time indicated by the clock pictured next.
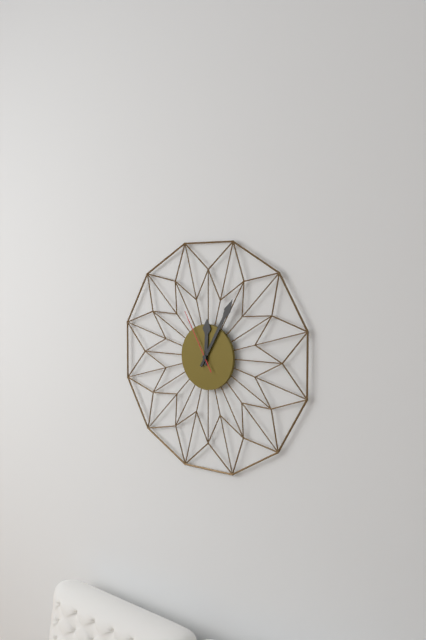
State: 12:05:55
